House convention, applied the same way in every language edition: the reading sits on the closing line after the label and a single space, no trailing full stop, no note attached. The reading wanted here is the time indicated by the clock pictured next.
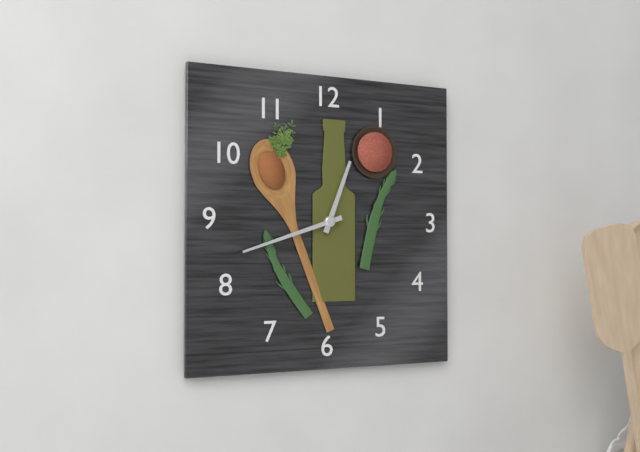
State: 12:42
